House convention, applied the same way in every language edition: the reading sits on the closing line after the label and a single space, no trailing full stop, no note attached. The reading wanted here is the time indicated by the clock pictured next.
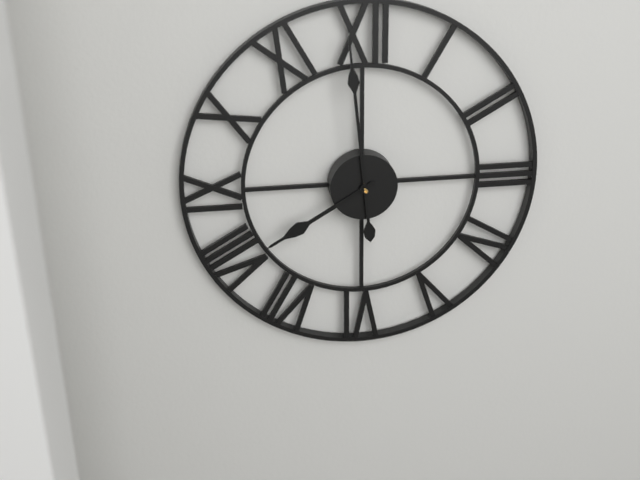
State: 7:59
